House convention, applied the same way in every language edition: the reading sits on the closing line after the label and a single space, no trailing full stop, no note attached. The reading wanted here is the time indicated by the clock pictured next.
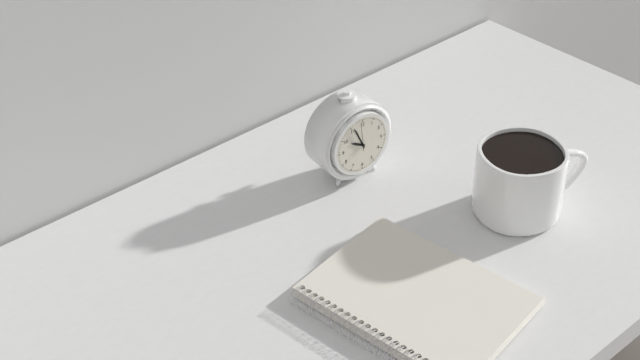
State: 9:56
